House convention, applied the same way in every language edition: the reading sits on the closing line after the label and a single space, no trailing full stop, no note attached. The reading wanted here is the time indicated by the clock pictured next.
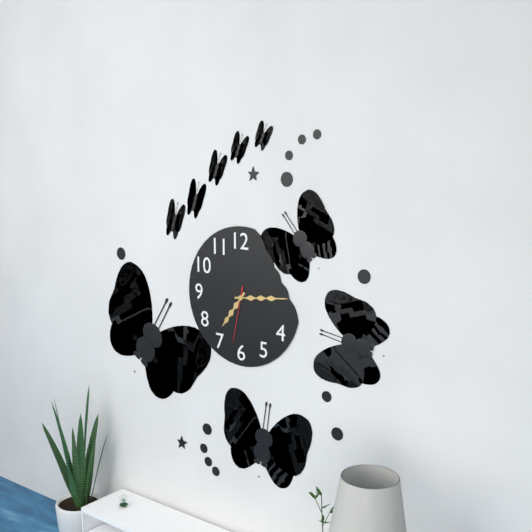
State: 7:14:32
